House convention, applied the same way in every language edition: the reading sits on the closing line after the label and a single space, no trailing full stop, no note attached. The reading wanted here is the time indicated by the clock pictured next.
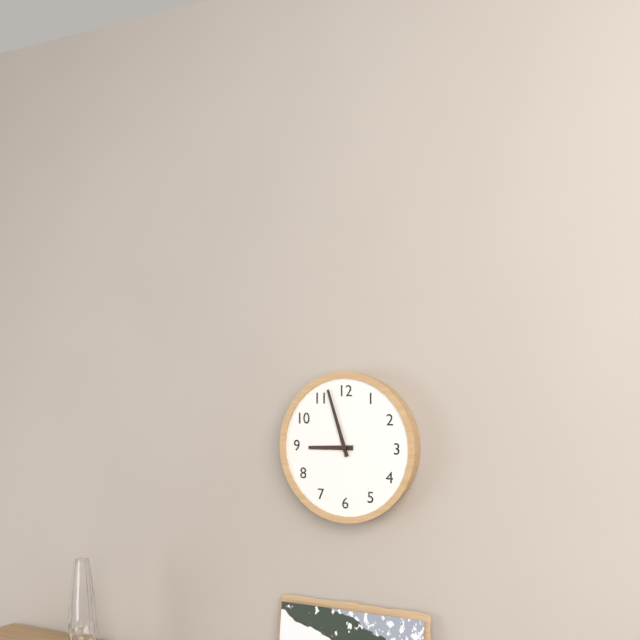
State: 8:57
